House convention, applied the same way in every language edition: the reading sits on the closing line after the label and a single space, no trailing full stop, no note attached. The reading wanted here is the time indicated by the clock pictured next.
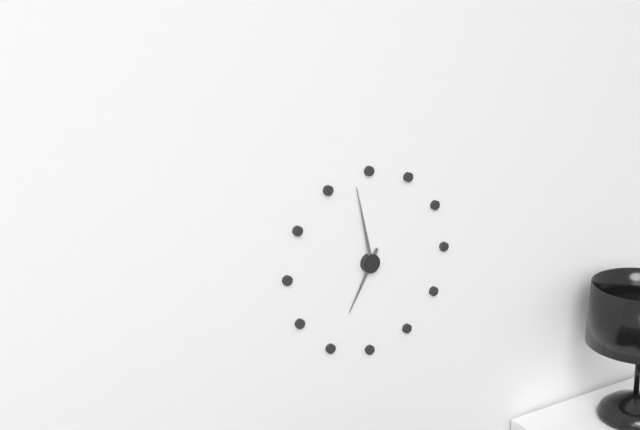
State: 6:58
